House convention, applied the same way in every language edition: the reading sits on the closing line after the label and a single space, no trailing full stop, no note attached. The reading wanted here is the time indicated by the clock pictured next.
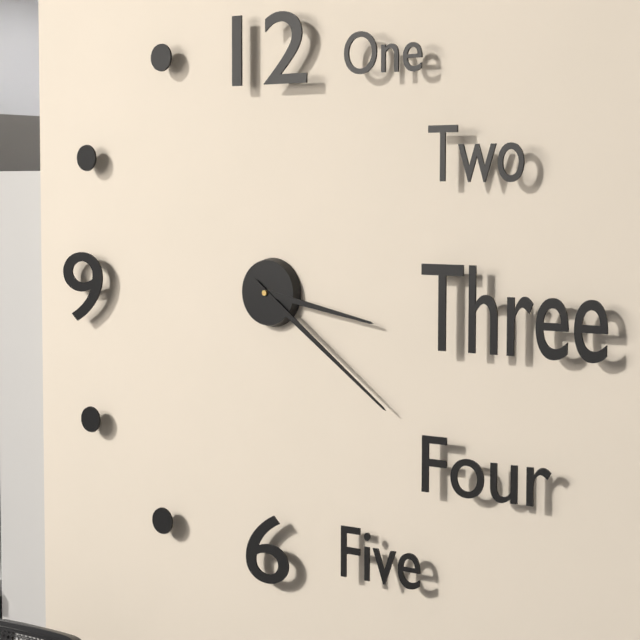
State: 3:21
